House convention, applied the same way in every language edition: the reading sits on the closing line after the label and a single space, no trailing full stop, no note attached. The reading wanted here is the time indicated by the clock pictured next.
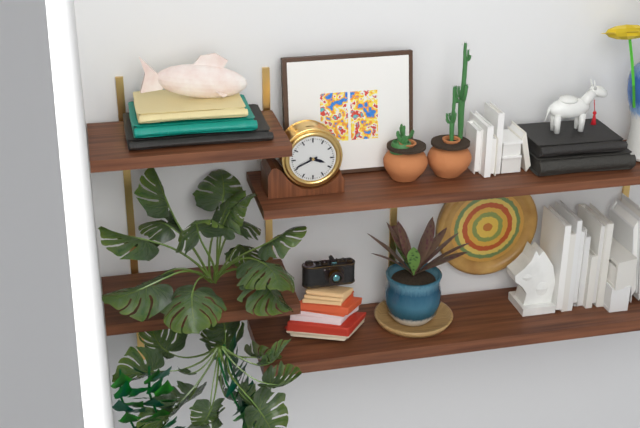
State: 3:41
